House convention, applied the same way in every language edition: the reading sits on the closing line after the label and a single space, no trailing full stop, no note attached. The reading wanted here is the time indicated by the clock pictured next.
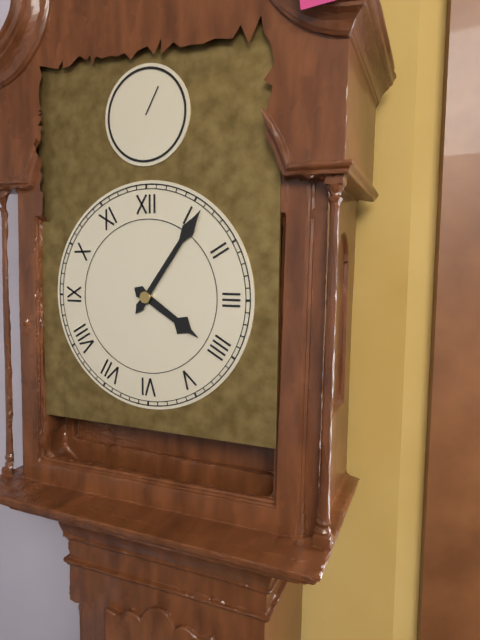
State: 4:06
